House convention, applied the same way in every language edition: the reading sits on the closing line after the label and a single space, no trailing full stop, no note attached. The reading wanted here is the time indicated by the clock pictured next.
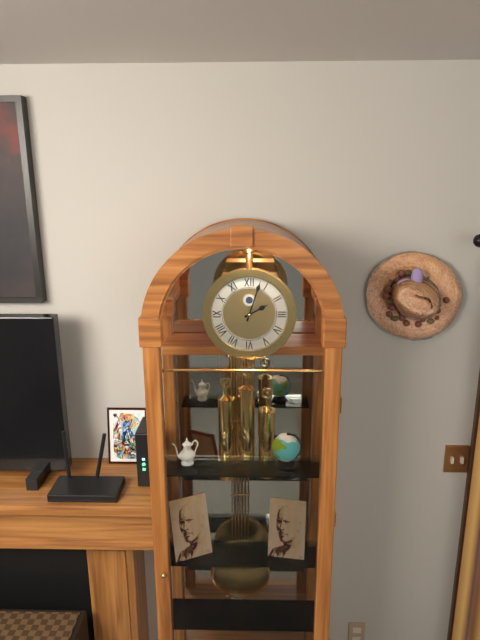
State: 2:03
